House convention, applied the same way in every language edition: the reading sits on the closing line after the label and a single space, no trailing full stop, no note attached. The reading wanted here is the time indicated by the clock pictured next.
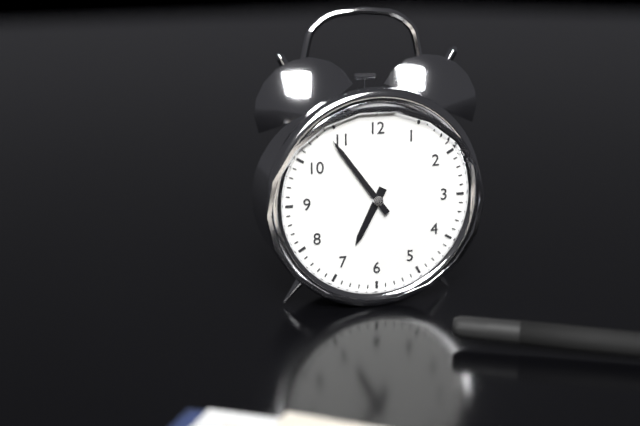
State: 6:54
